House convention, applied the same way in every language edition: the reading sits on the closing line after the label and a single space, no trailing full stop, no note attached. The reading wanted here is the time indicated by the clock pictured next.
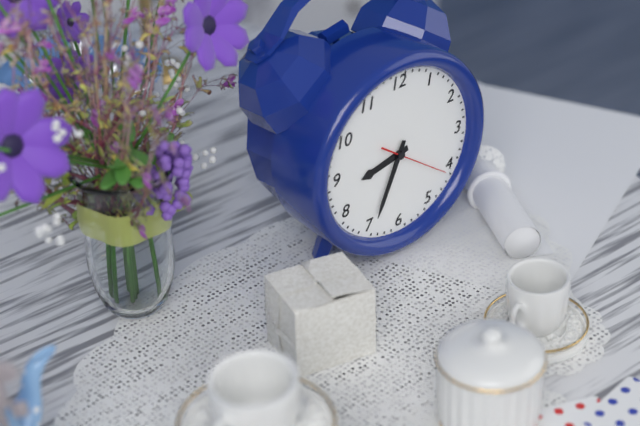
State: 8:34:21
